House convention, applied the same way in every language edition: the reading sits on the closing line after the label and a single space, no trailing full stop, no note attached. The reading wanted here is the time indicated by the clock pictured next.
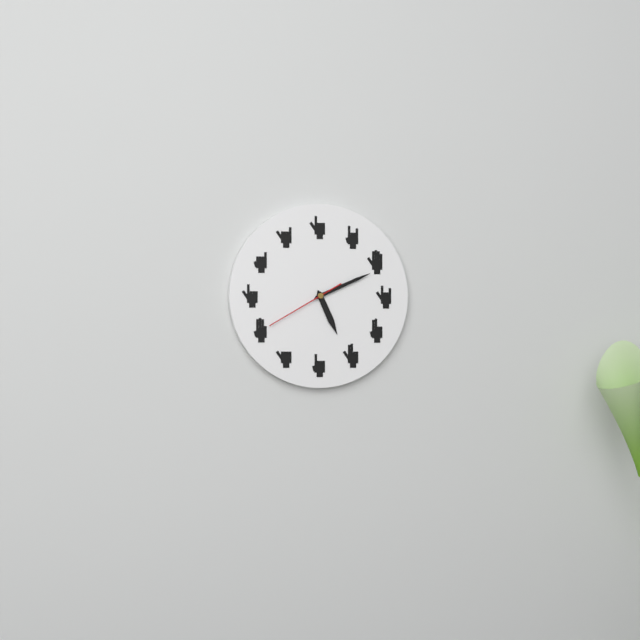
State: 5:11:40
